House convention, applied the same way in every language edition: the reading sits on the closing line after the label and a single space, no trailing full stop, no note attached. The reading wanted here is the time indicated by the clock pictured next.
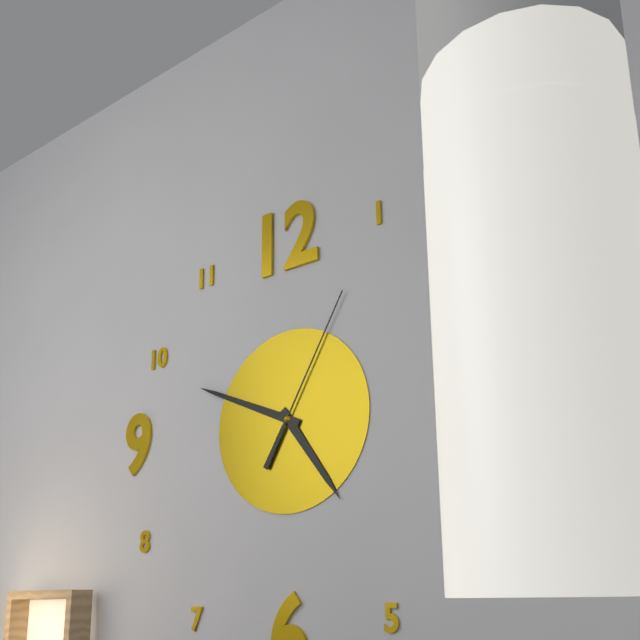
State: 4:49:05
